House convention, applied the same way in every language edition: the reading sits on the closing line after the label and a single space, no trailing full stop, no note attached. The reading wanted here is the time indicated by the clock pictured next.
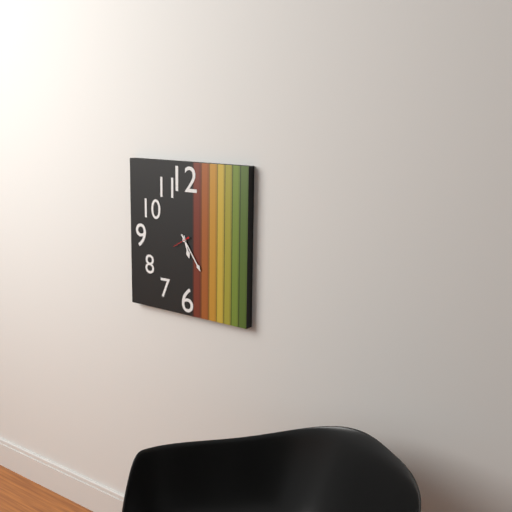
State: 5:24
